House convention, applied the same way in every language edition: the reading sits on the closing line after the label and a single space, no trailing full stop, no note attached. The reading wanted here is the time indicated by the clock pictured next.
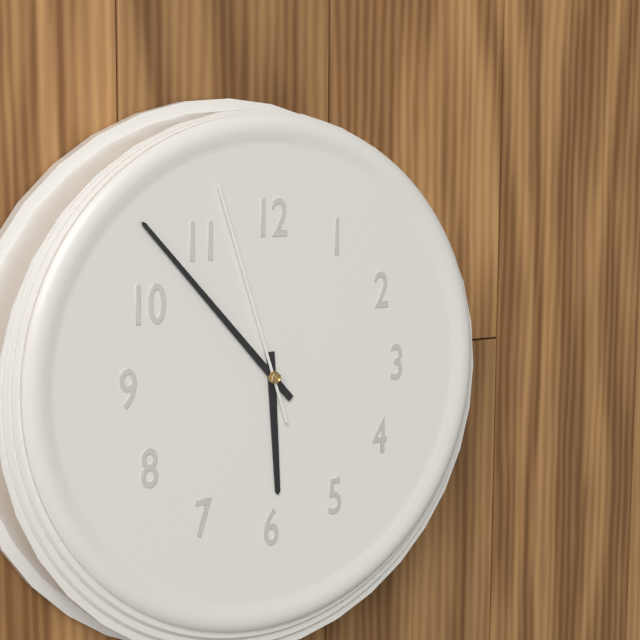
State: 5:53:57
